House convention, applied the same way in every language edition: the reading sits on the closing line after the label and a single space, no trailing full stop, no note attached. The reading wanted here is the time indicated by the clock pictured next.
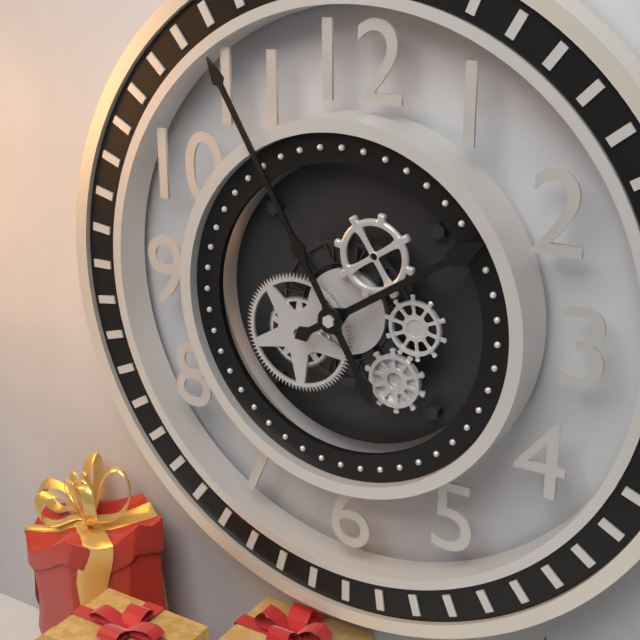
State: 1:55
